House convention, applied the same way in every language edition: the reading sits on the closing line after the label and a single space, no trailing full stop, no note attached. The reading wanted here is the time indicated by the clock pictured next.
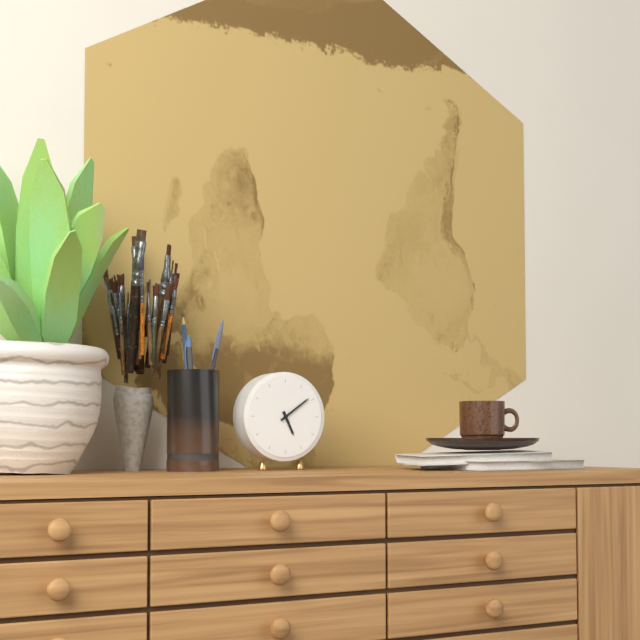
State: 5:09
